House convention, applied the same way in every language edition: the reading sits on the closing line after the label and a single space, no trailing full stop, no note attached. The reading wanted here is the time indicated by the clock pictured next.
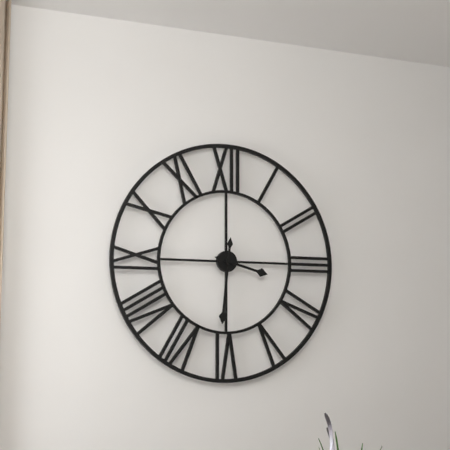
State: 3:31
